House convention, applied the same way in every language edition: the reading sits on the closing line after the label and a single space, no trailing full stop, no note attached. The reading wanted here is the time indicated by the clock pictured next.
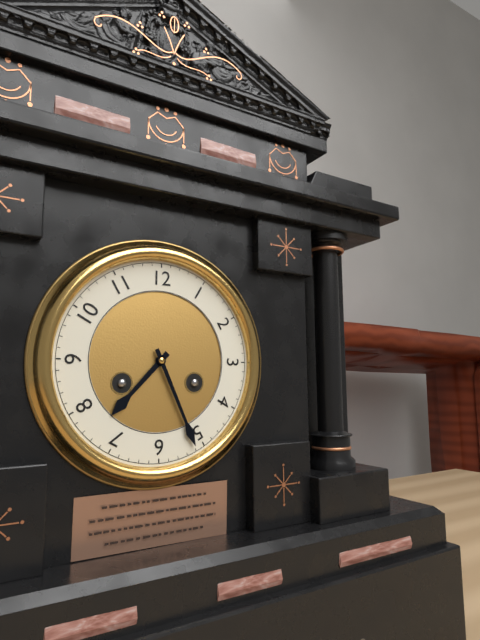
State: 7:26
